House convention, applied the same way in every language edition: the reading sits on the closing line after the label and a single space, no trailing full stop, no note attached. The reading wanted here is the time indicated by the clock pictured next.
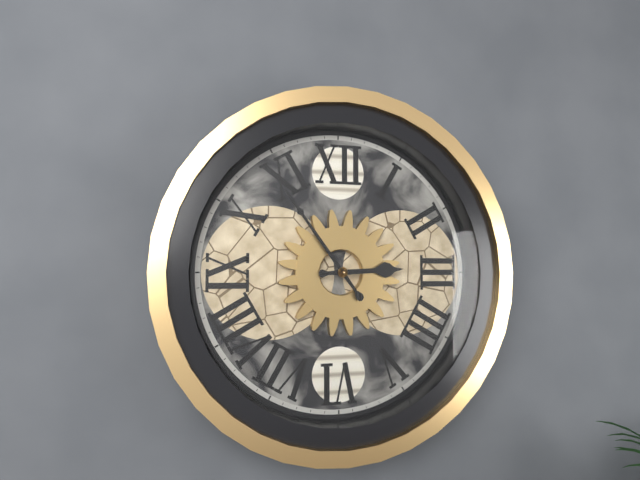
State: 2:54
